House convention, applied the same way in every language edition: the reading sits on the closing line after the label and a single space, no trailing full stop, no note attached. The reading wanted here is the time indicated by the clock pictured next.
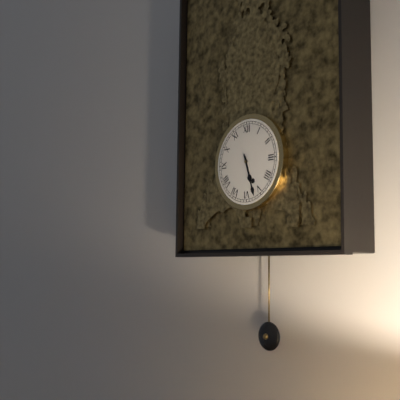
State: 5:27
